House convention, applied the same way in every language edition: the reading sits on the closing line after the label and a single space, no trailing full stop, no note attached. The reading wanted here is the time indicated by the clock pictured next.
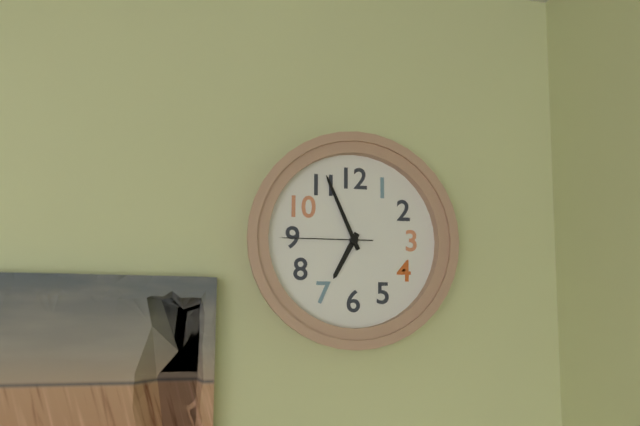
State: 6:56:45
